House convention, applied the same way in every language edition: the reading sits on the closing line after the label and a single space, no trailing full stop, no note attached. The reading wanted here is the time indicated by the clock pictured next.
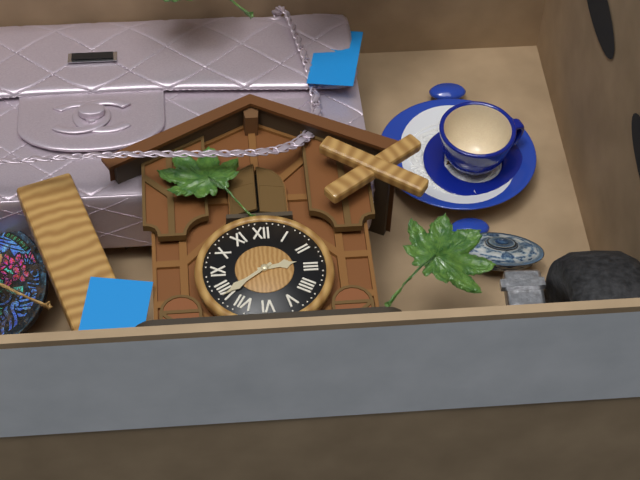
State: 2:39
